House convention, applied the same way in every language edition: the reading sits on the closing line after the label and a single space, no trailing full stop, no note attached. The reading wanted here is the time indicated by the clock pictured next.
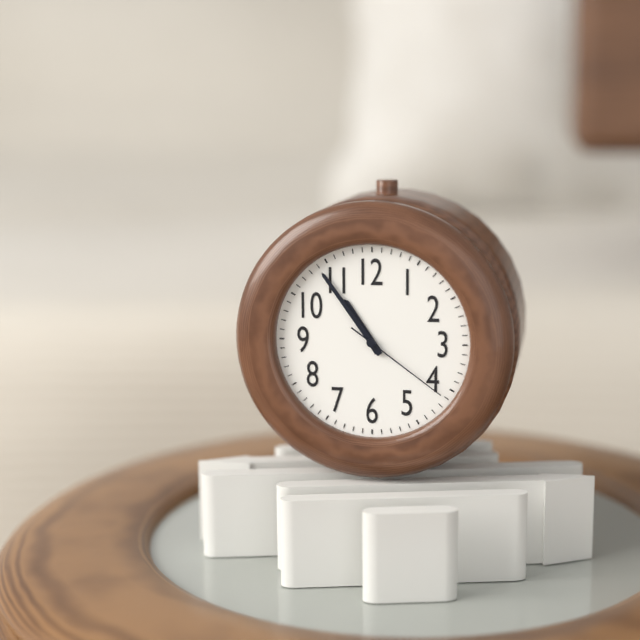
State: 10:54:21
